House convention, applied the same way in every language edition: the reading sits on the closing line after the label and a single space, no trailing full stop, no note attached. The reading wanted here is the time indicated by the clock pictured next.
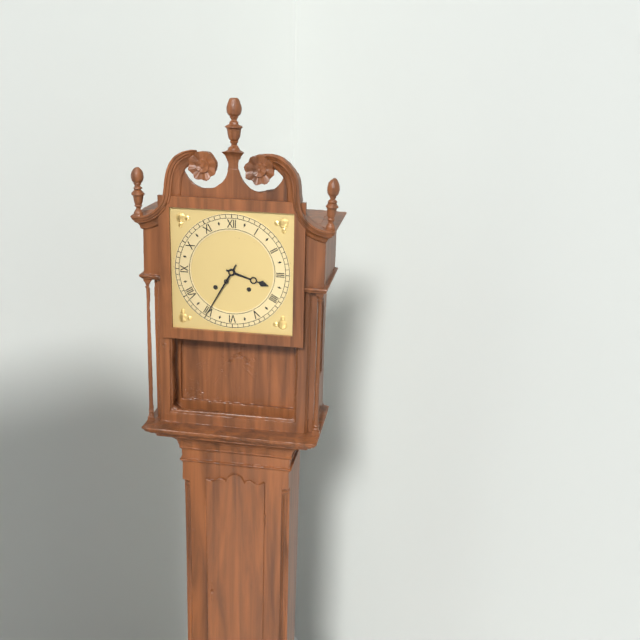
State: 3:35
